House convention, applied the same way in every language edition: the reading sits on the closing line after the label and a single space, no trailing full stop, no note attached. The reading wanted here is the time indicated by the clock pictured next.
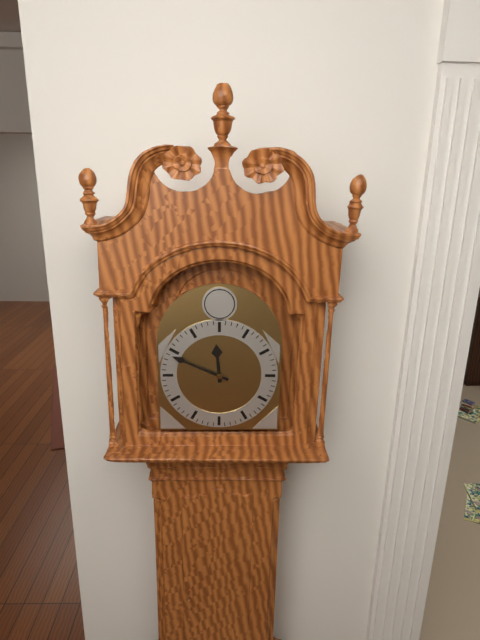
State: 11:49
